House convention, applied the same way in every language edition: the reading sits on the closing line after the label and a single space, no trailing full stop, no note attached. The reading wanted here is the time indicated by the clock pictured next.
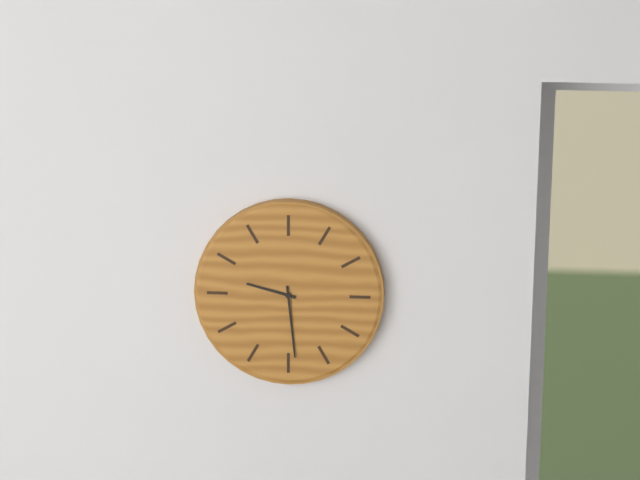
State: 9:29
